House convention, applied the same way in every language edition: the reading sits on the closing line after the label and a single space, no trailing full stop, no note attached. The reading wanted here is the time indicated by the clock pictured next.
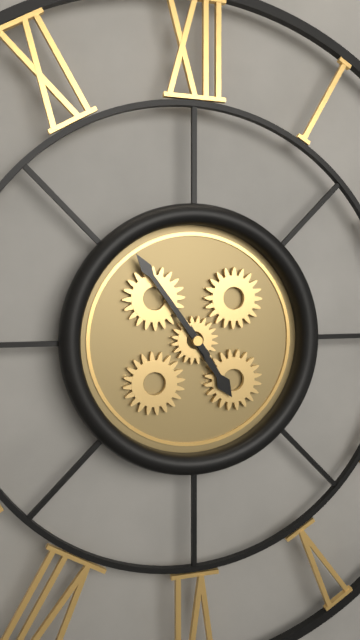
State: 4:54
